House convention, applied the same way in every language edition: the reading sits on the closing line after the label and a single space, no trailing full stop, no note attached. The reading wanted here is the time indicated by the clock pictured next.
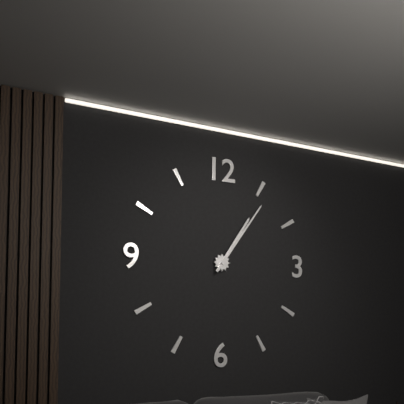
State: 1:06
